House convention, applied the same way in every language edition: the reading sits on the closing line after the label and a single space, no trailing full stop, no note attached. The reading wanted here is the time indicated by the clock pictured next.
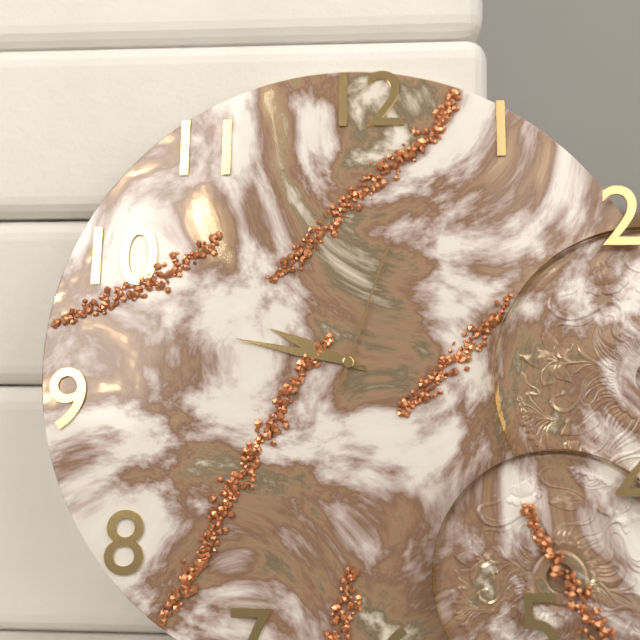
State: 9:47:03
